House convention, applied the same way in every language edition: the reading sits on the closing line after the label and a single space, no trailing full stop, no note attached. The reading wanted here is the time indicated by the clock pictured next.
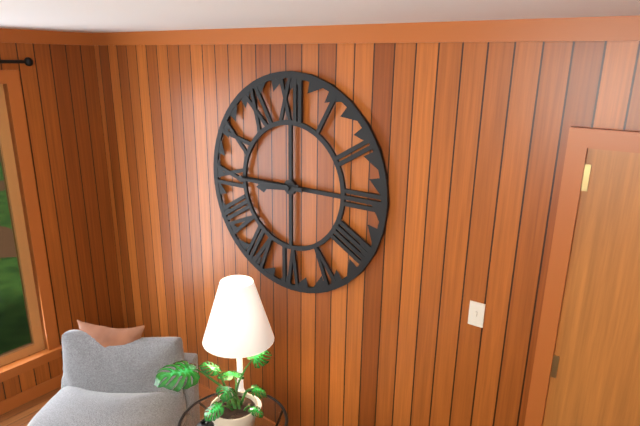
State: 8:45
